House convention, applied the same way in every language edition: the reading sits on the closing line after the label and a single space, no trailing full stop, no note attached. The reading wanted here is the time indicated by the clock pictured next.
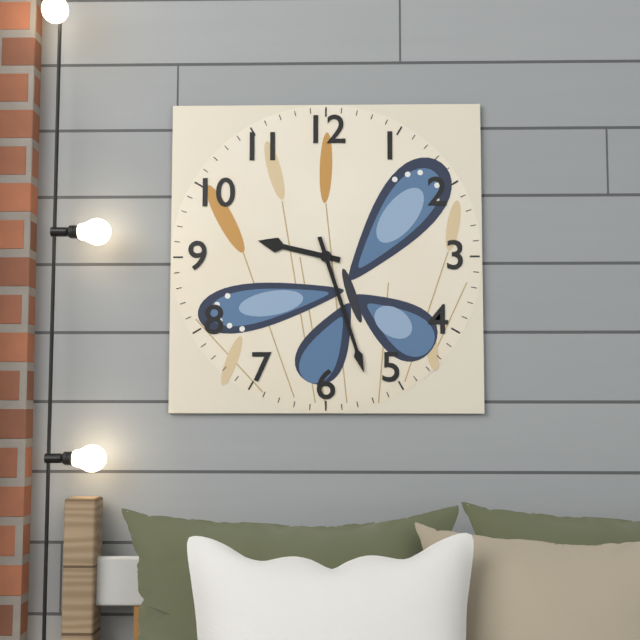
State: 9:27
